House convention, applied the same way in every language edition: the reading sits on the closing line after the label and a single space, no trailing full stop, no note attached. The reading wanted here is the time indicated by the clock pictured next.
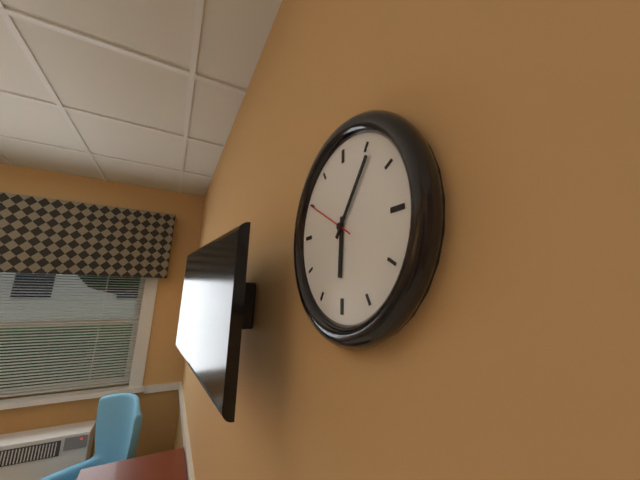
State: 6:06:50
